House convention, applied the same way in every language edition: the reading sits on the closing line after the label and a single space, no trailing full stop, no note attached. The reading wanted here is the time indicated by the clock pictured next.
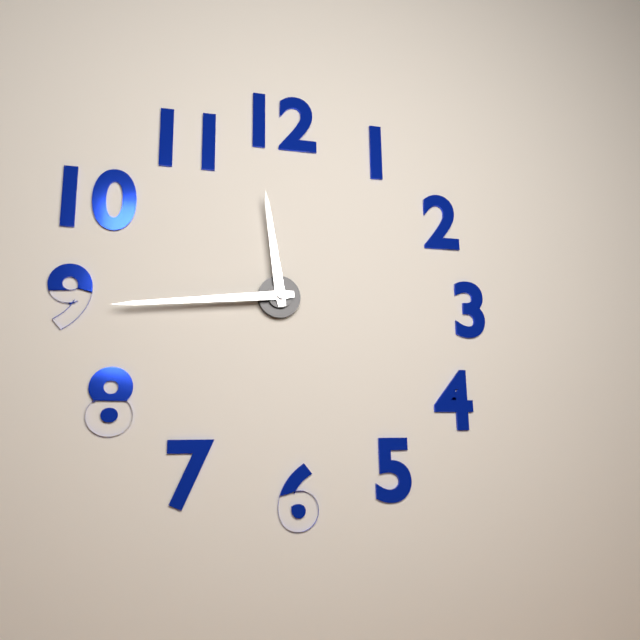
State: 11:44
